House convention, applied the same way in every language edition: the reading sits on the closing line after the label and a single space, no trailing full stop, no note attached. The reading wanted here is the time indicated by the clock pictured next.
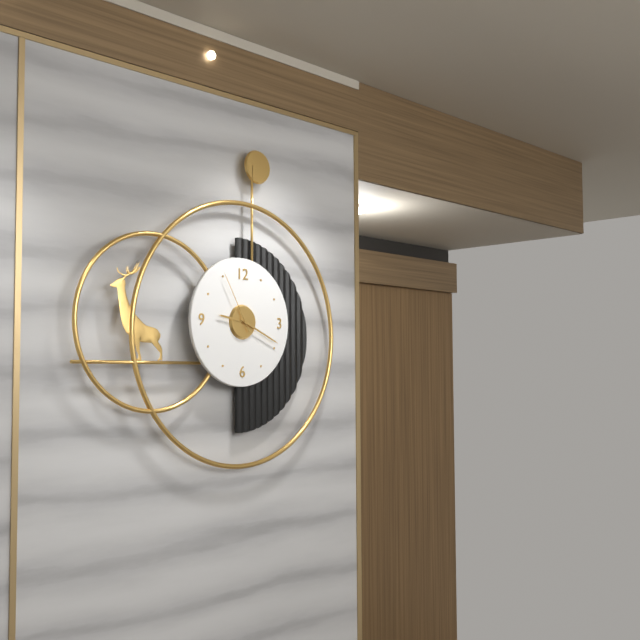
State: 9:19:55
